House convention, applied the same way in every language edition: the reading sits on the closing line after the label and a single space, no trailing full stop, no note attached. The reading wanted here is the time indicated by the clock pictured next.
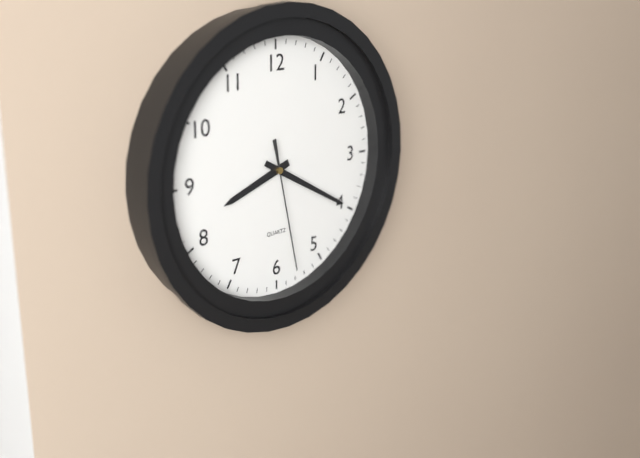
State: 8:20:28
